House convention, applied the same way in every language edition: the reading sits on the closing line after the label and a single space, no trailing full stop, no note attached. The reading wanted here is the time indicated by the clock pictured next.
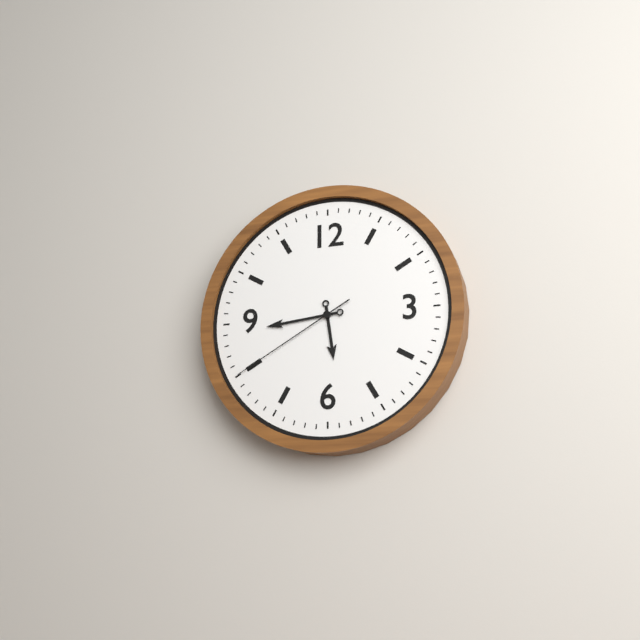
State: 5:44:40
